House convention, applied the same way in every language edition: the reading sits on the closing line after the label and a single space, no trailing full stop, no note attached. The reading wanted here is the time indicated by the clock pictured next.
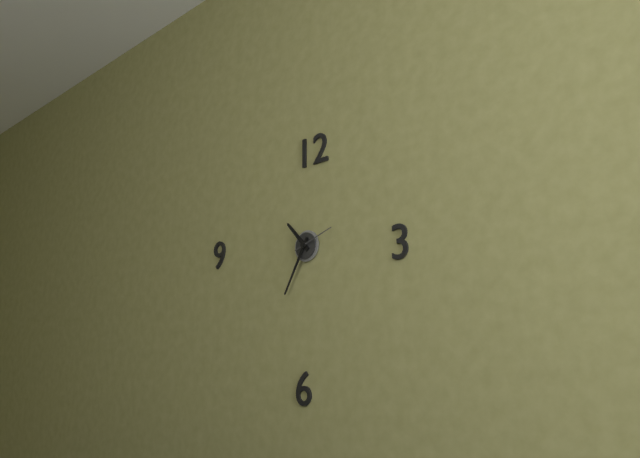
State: 10:35
